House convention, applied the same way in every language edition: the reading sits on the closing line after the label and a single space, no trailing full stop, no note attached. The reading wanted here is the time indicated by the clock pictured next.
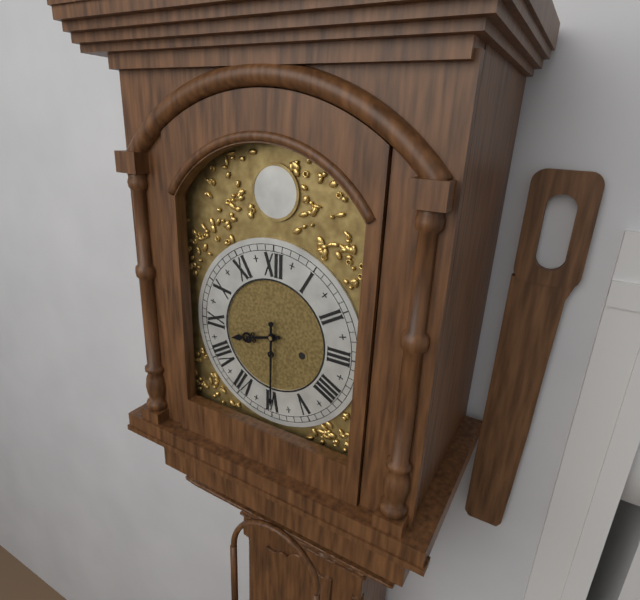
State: 8:30
